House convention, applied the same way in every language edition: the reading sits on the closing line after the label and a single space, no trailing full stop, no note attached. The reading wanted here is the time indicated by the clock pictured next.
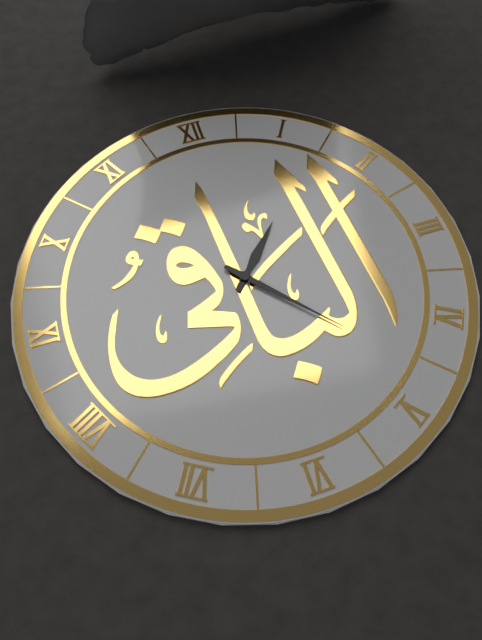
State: 1:23
